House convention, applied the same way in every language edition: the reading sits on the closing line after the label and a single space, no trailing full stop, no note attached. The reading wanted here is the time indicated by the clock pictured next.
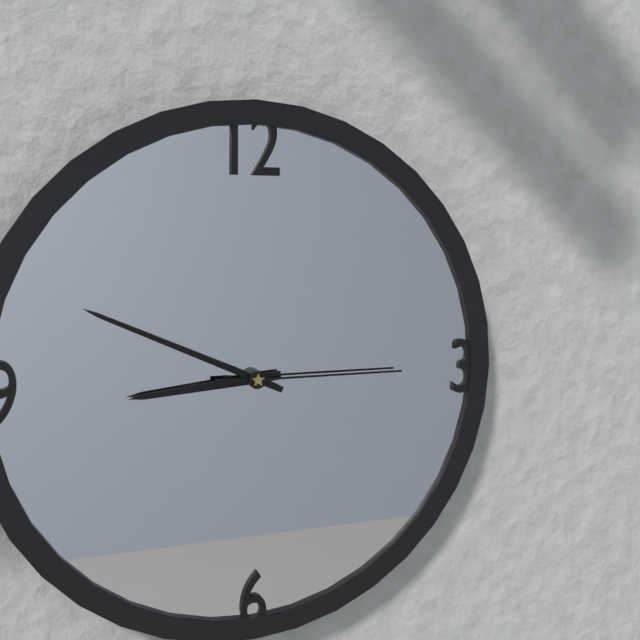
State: 8:49:15
